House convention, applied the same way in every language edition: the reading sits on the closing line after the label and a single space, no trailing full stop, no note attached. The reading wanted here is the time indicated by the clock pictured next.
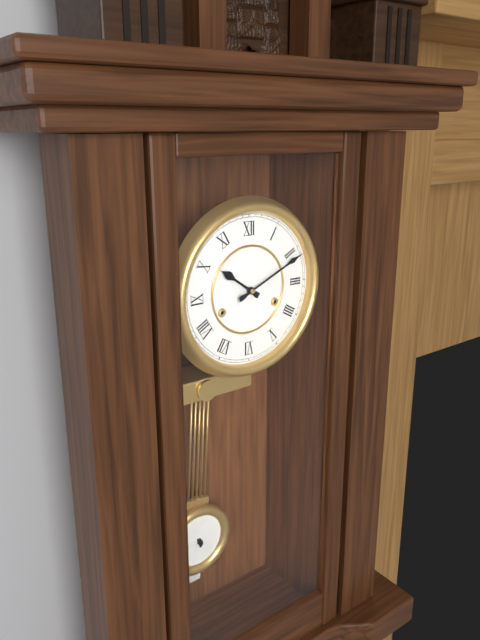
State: 10:11
